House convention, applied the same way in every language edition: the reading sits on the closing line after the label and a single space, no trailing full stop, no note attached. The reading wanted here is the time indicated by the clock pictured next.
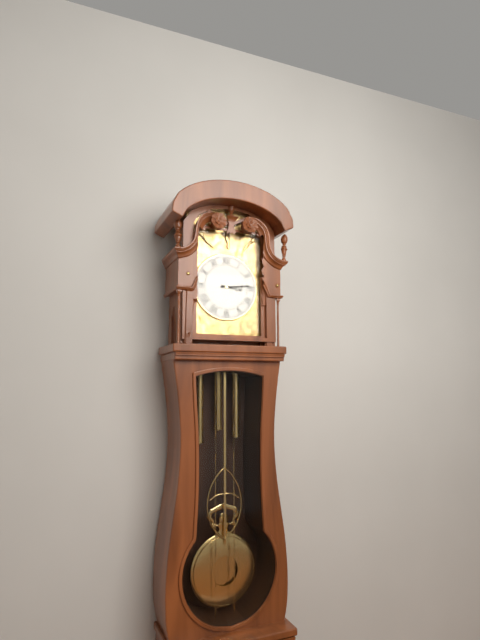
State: 3:14
